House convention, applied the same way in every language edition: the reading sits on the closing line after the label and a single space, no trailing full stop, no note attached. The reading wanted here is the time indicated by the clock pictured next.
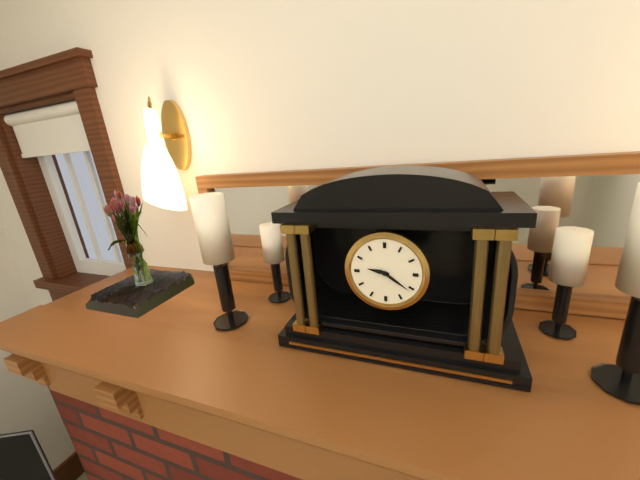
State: 9:21
